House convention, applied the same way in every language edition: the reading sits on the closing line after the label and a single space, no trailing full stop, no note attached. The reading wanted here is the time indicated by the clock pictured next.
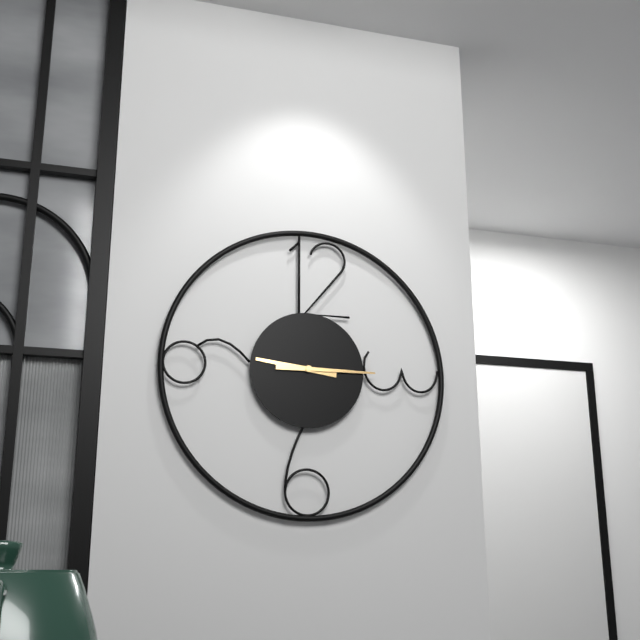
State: 9:15
